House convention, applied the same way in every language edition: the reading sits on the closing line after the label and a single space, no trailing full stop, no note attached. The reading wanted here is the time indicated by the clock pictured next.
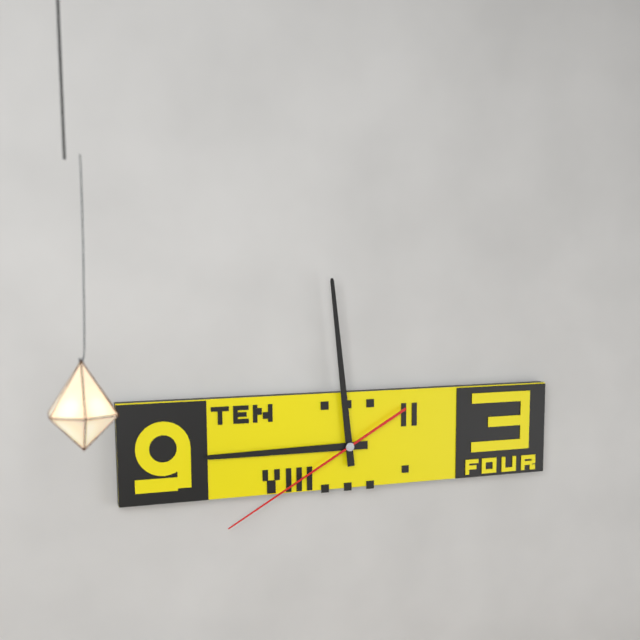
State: 8:59:40
